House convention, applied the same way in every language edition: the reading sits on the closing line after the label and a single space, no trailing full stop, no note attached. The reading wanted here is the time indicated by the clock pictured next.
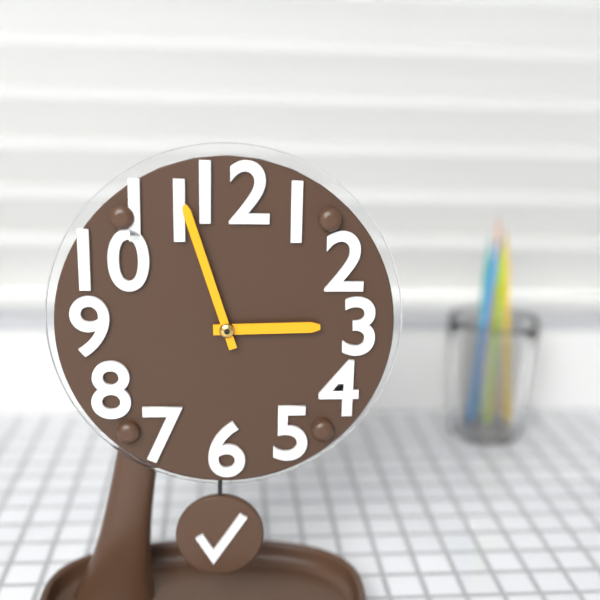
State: 2:57
